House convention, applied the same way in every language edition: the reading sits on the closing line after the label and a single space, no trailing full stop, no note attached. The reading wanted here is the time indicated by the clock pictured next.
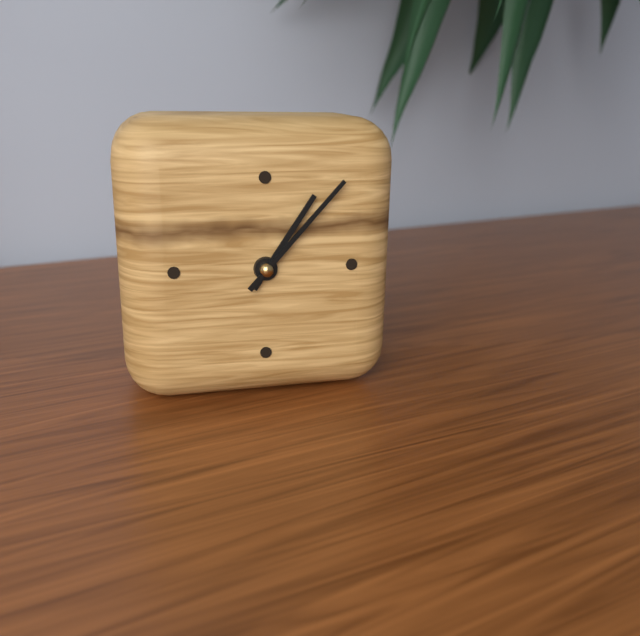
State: 1:07
